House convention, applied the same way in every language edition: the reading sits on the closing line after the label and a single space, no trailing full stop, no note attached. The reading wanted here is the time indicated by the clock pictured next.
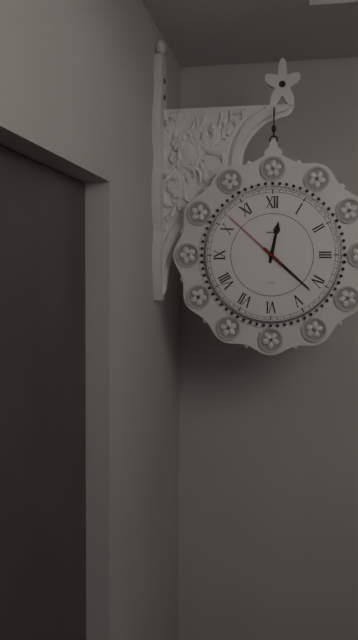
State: 12:22:52
